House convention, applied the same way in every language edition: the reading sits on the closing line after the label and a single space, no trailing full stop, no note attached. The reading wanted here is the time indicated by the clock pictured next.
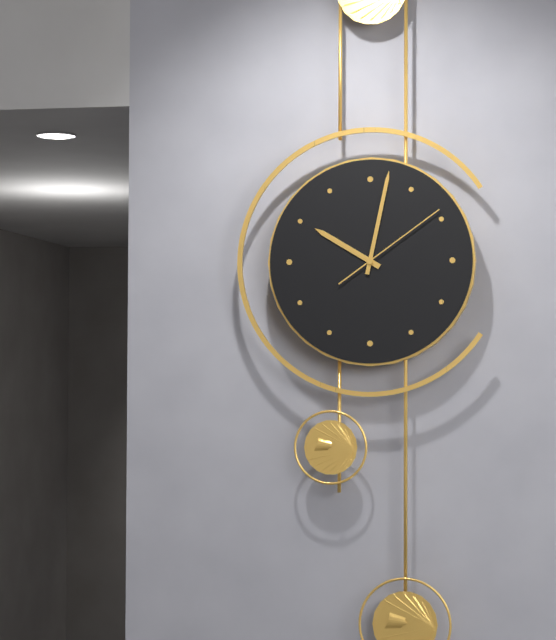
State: 10:02:09
